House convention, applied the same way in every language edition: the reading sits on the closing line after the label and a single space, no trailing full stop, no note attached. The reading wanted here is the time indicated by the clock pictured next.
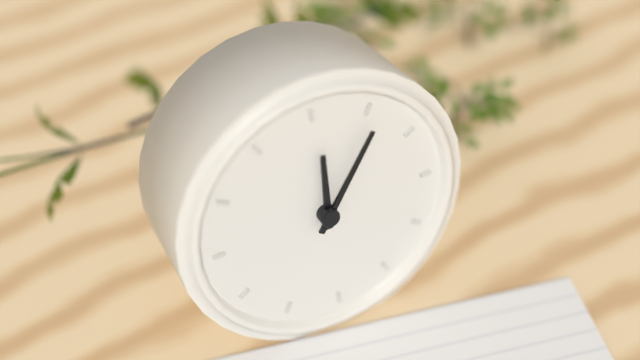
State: 12:06
